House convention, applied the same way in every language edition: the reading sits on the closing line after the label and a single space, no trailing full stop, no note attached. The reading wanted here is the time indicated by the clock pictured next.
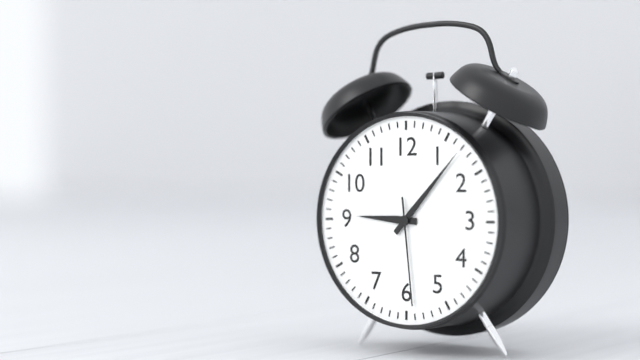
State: 9:07:29
